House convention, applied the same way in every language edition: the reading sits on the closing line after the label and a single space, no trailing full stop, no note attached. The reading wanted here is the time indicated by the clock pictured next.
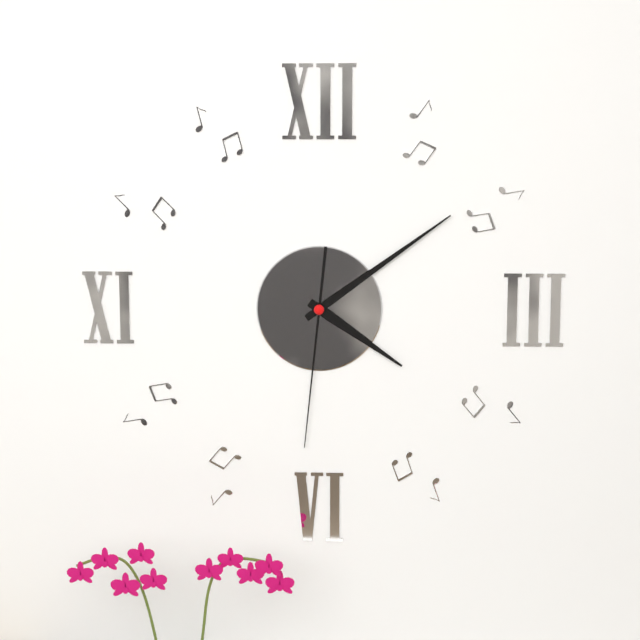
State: 4:09:31
